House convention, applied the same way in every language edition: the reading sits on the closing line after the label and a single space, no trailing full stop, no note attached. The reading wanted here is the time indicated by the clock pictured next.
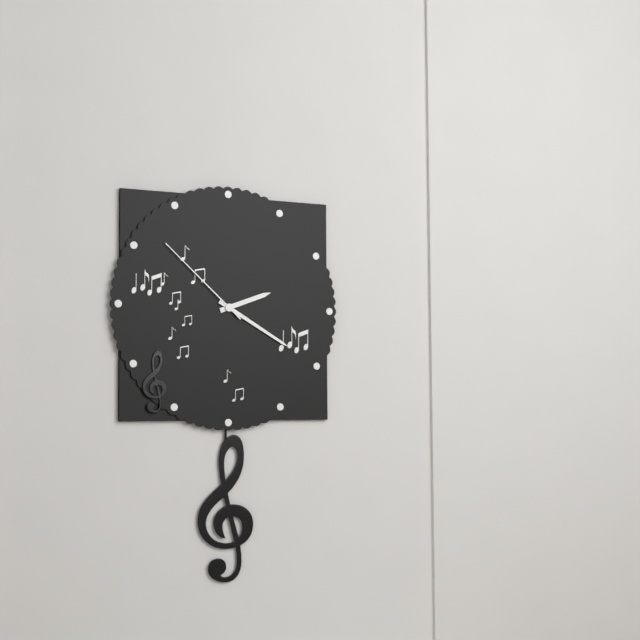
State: 2:20:52
